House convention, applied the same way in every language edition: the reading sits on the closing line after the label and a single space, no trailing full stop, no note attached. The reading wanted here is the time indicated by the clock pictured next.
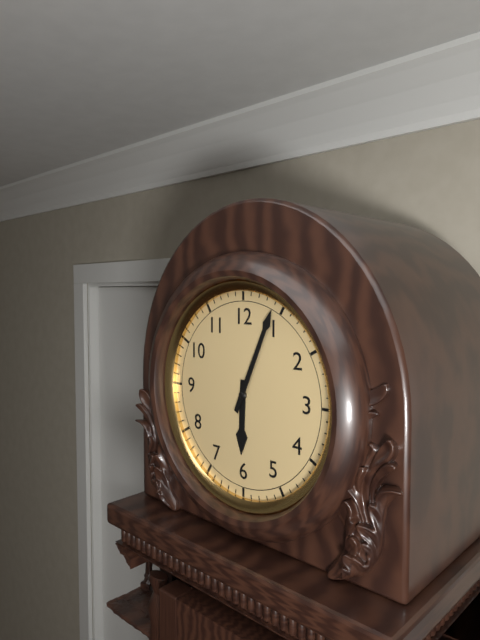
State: 6:04
